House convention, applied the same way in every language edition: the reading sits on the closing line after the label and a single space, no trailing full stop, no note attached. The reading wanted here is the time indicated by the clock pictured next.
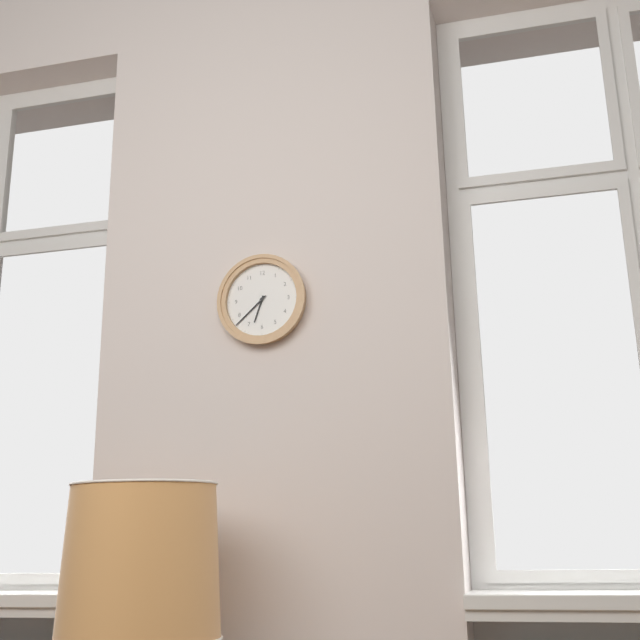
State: 6:38
